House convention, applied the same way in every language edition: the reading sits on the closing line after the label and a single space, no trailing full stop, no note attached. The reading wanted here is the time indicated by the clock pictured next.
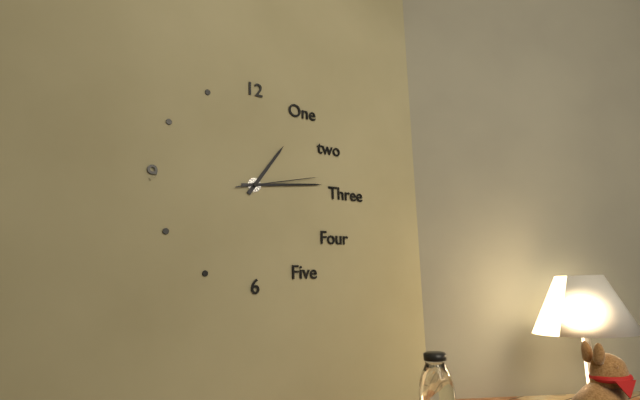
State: 1:14:13
